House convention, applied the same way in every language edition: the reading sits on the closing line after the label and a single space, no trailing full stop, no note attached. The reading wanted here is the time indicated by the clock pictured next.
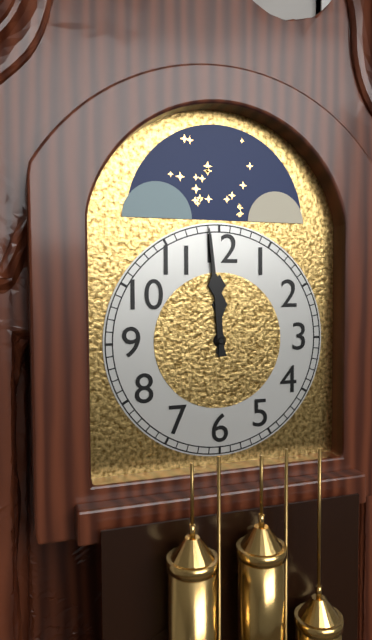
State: 11:59
